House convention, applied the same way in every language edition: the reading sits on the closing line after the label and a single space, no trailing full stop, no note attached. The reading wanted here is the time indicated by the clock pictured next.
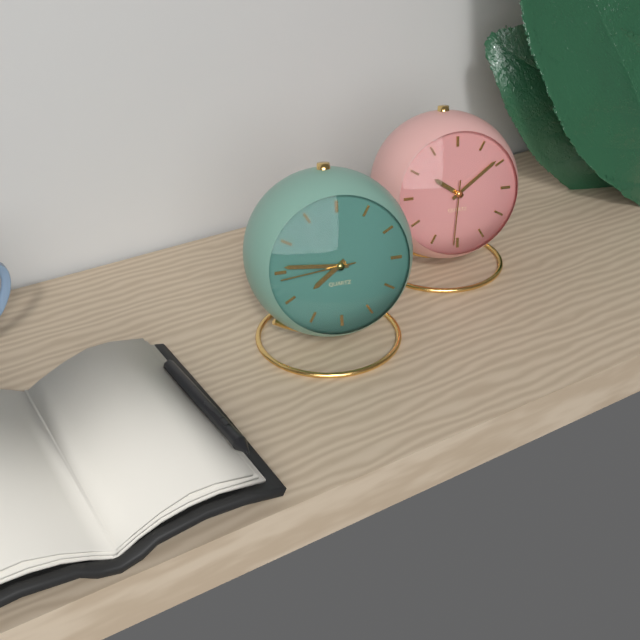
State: 7:46:44
